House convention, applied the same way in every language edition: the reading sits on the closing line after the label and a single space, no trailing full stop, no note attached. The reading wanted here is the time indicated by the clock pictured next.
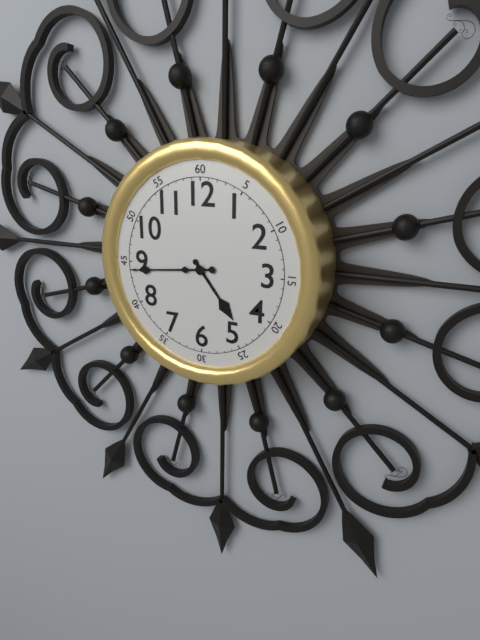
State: 4:44
